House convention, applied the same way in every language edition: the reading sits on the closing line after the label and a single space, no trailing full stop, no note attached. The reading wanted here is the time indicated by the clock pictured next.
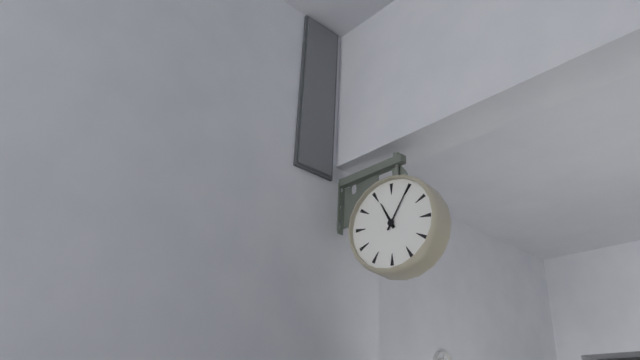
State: 11:05
